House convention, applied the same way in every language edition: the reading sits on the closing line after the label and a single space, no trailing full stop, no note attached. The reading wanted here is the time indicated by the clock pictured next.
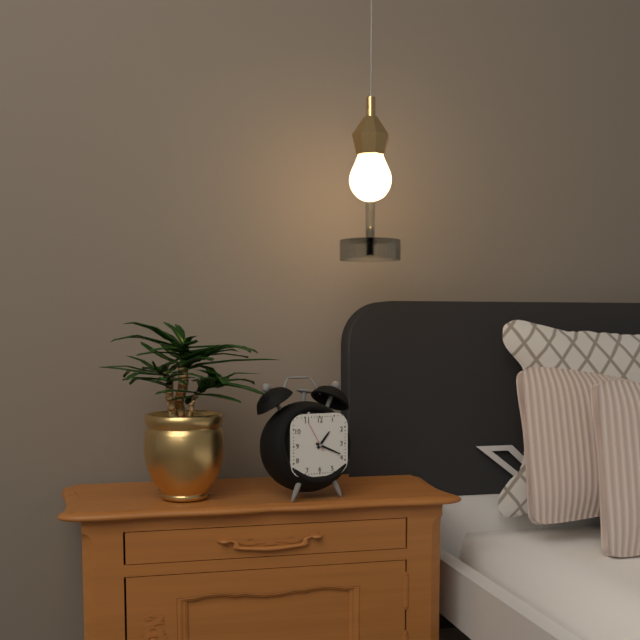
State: 1:19
